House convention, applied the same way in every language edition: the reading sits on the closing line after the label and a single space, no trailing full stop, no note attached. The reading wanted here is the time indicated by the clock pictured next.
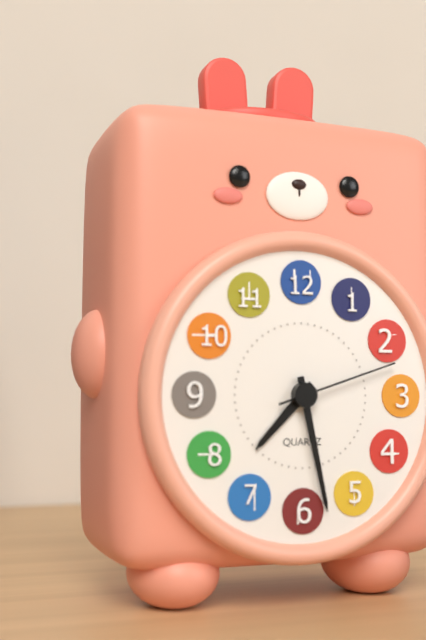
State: 7:28:12
